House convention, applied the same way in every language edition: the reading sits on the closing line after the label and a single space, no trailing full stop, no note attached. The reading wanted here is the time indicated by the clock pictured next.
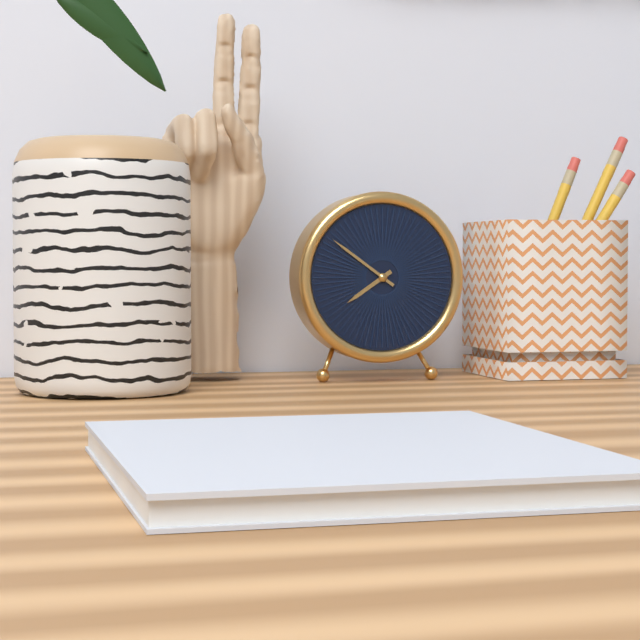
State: 7:51
